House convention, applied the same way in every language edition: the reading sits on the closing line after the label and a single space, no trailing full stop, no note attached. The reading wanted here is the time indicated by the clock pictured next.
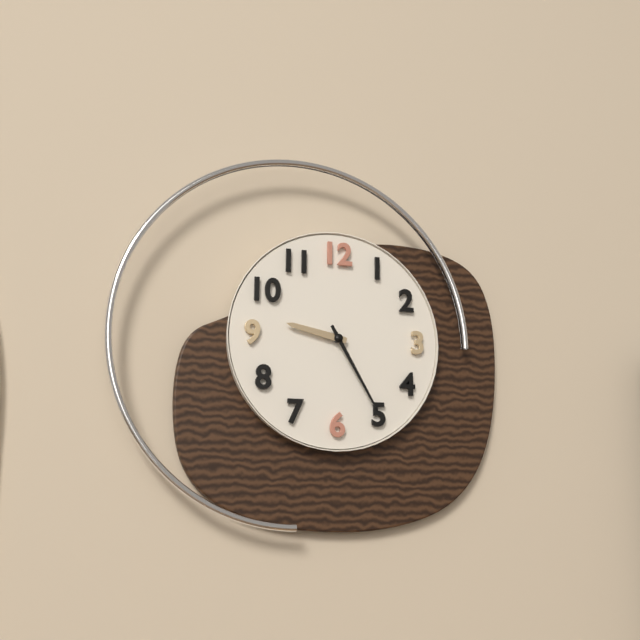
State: 9:25
